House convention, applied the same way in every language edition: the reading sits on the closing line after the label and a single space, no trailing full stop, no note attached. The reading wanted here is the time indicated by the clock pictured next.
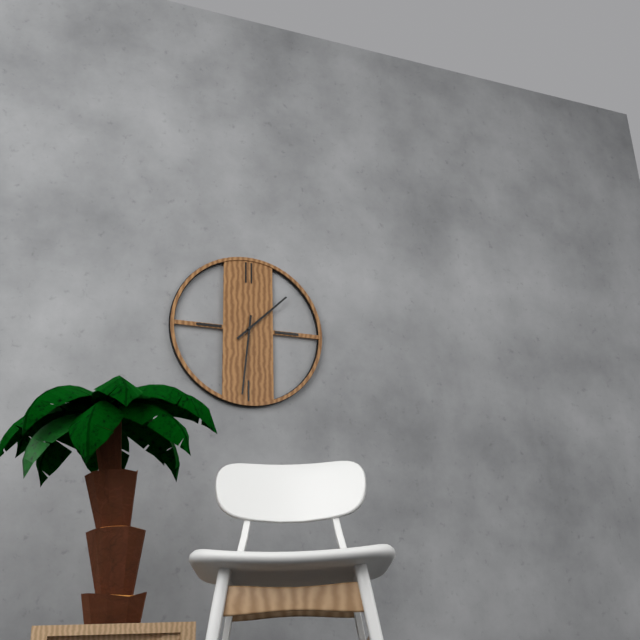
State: 1:31
